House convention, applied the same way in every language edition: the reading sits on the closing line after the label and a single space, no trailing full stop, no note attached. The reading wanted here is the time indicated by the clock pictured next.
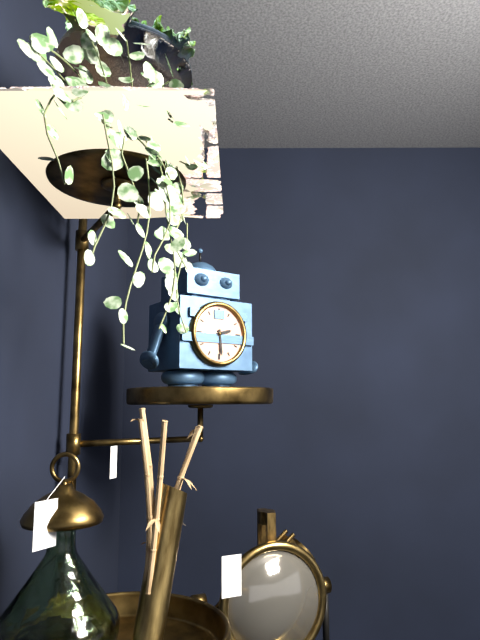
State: 2:29
